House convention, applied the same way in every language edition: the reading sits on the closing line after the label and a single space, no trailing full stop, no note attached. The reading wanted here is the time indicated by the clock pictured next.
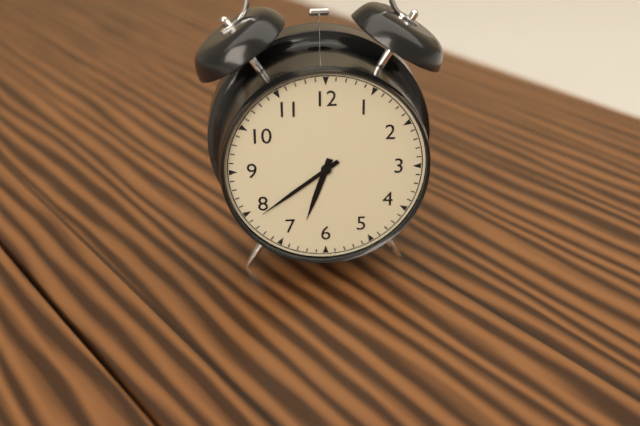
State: 6:39
